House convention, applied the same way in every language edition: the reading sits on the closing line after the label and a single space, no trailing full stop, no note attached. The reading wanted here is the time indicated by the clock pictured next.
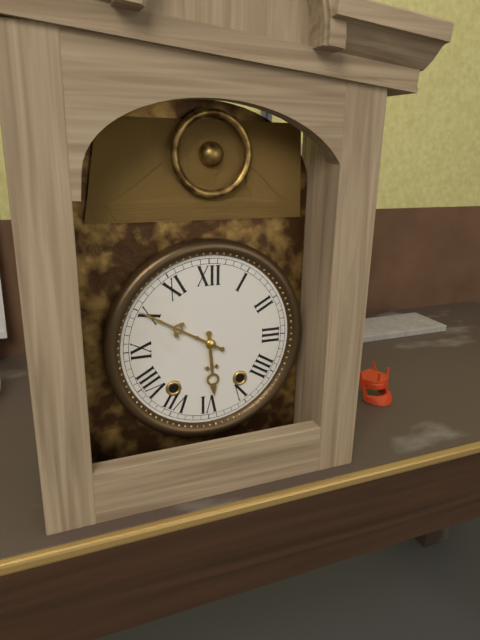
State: 5:50
